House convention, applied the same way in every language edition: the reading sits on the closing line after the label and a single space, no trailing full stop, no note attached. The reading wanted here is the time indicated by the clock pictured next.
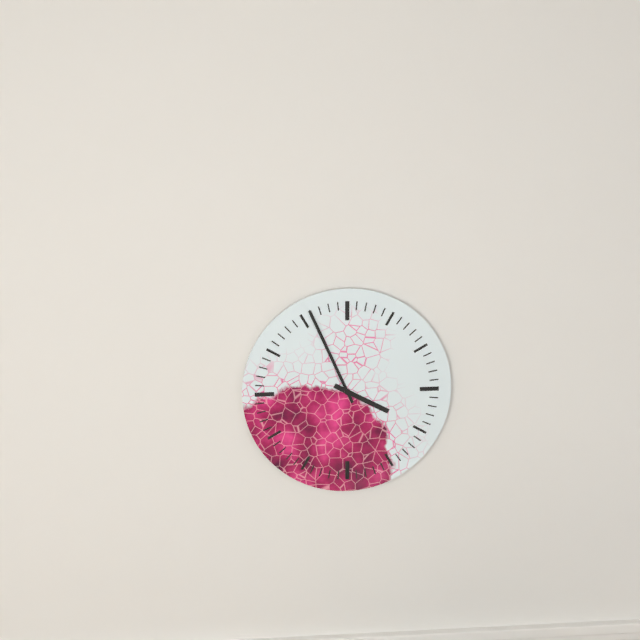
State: 3:56
